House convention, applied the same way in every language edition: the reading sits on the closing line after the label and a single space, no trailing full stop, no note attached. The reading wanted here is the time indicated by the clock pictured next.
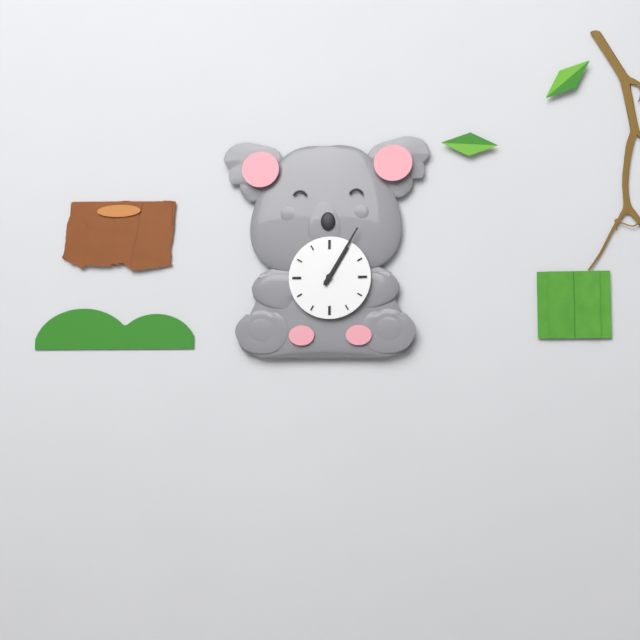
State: 1:05
